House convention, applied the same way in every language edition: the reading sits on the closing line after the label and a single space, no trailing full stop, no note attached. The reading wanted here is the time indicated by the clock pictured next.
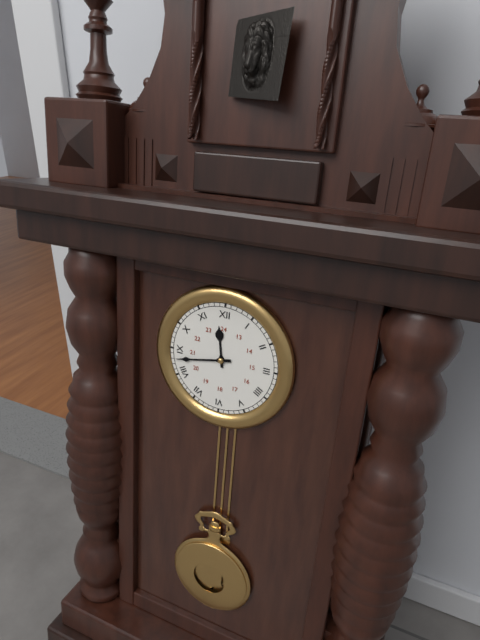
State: 11:43
